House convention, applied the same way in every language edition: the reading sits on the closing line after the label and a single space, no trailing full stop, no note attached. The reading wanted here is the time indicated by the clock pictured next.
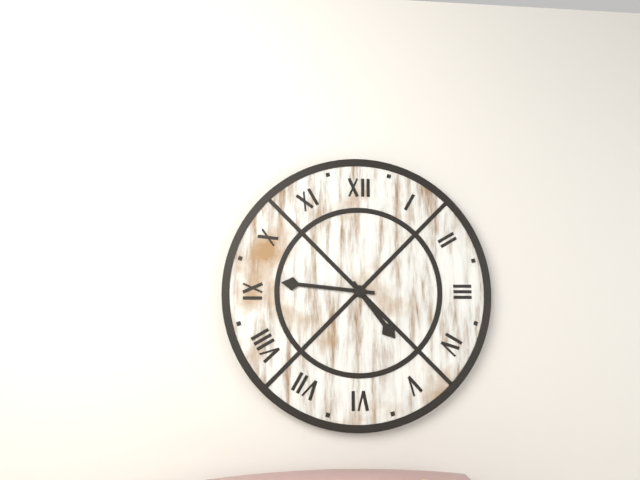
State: 4:46
